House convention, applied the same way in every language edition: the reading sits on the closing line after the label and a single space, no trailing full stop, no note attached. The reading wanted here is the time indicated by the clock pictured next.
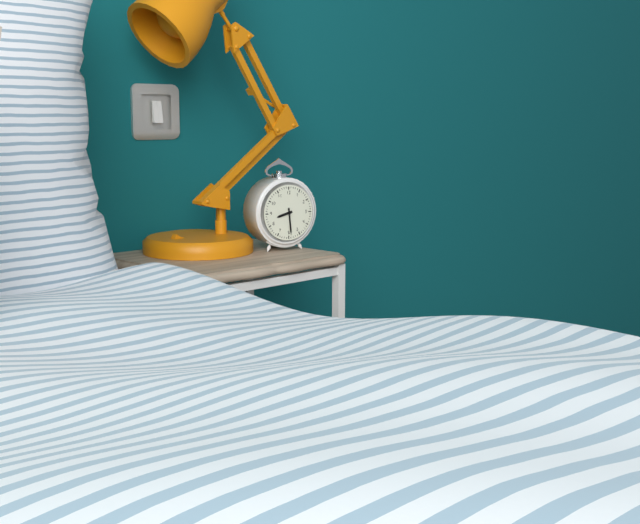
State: 8:29
